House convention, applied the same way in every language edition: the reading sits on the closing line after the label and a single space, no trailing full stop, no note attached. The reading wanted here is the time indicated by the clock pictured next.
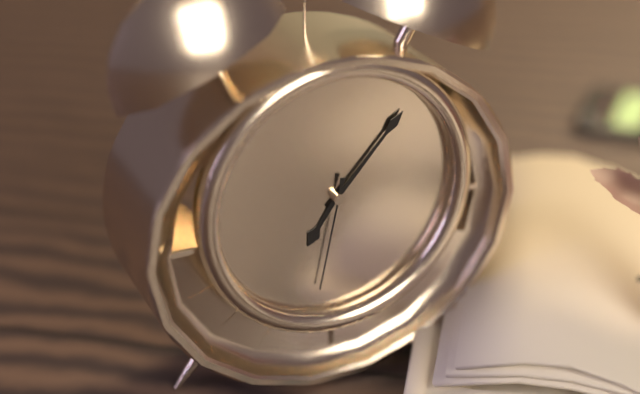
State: 7:07:32
